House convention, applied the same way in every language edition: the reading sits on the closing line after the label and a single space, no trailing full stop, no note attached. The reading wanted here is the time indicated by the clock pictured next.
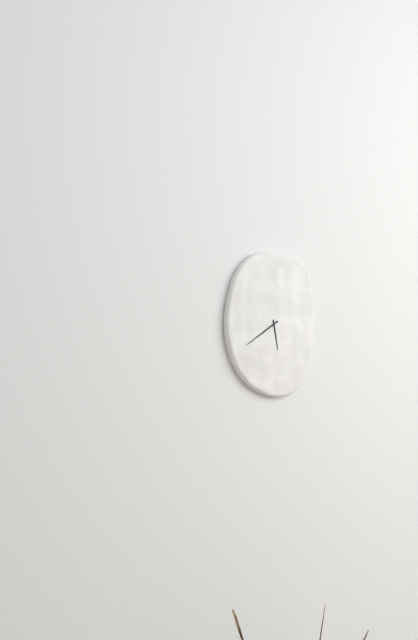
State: 5:39
